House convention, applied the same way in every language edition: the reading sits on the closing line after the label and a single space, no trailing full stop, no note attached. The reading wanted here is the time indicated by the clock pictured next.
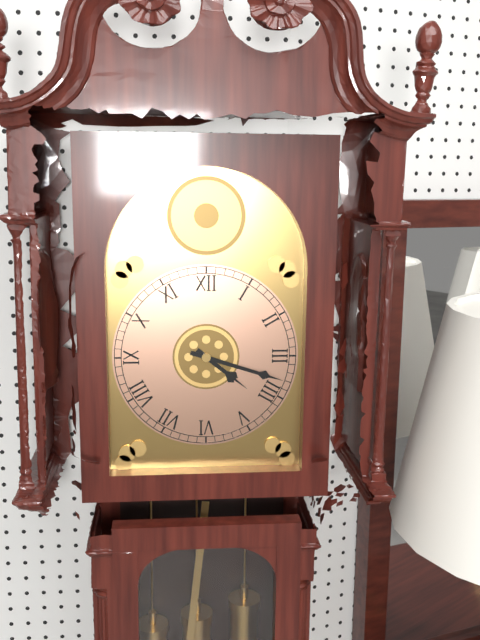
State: 4:18
